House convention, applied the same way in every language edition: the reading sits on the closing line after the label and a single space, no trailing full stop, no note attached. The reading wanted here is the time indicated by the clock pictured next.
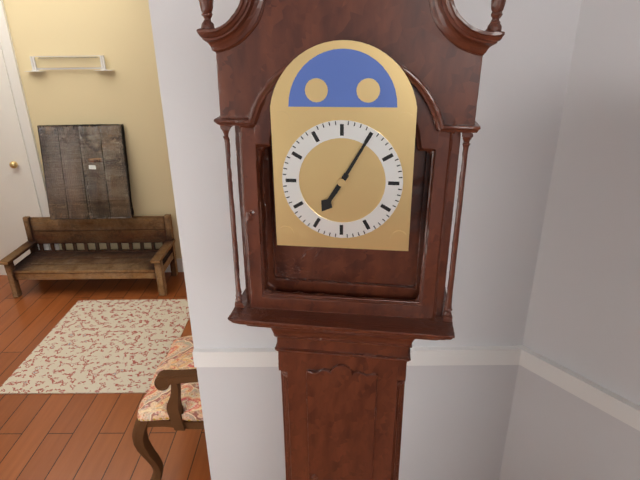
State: 7:05
